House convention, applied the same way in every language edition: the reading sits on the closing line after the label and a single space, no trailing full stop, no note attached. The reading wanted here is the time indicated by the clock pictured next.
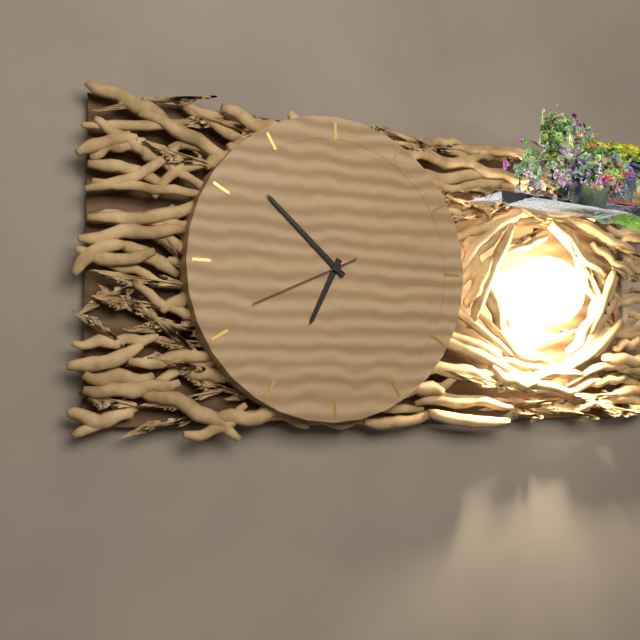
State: 6:52:41
